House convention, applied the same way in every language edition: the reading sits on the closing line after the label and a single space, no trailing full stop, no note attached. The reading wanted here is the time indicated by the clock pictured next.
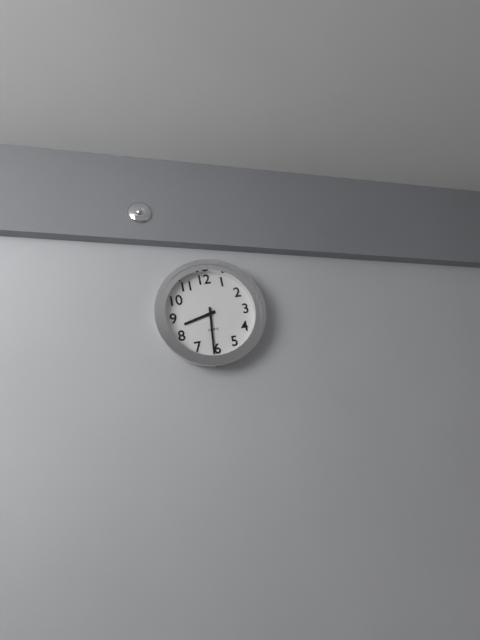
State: 8:31
